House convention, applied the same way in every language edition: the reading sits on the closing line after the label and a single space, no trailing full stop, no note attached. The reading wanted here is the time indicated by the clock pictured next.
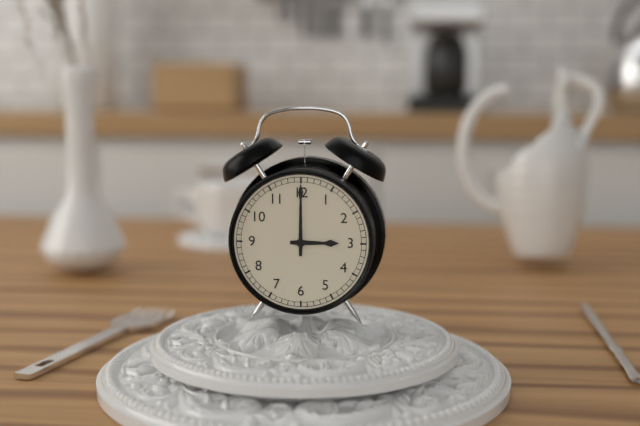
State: 3:00
